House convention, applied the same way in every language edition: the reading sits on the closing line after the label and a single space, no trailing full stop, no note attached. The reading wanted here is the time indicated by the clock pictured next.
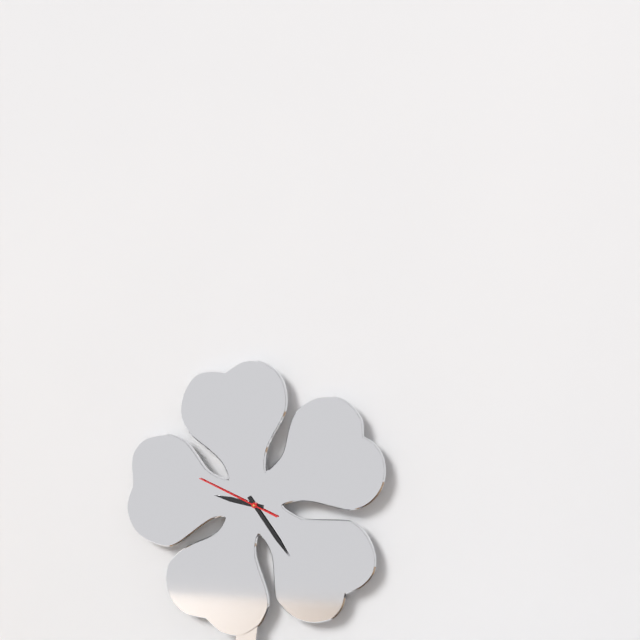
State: 9:24:49
